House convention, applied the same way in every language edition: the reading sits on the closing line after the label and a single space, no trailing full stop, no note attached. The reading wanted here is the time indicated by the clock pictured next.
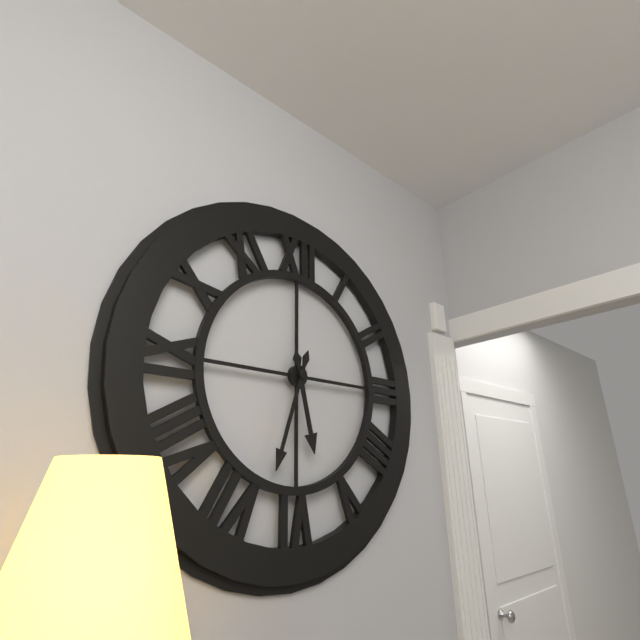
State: 5:33
